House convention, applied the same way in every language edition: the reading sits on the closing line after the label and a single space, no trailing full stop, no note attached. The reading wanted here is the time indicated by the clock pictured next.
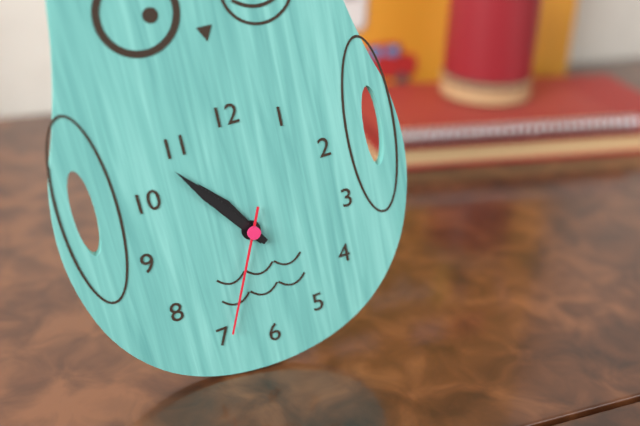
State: 10:54:34
